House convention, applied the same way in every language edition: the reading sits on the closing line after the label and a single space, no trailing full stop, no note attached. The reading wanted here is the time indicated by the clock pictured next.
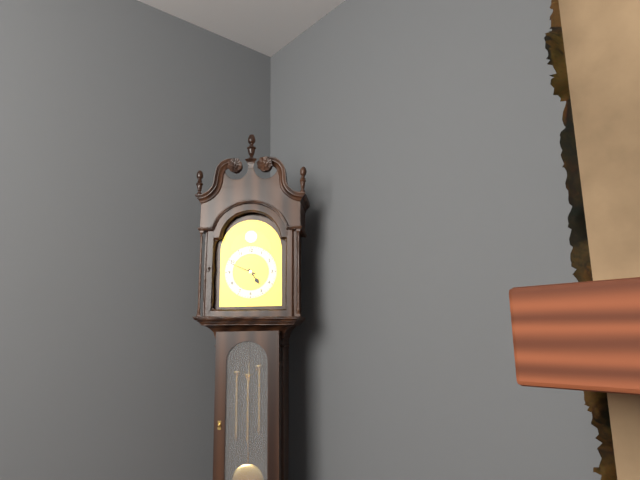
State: 4:49
